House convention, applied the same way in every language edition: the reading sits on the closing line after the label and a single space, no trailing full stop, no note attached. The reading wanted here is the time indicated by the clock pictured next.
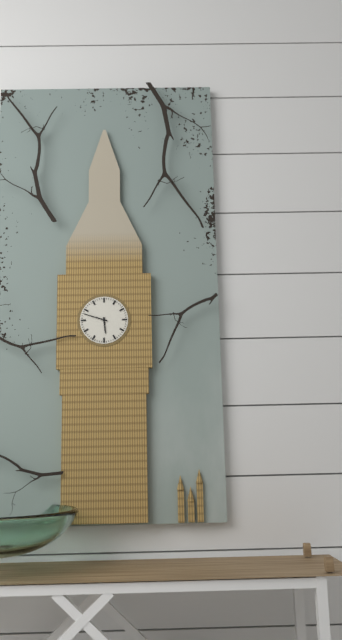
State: 5:48
